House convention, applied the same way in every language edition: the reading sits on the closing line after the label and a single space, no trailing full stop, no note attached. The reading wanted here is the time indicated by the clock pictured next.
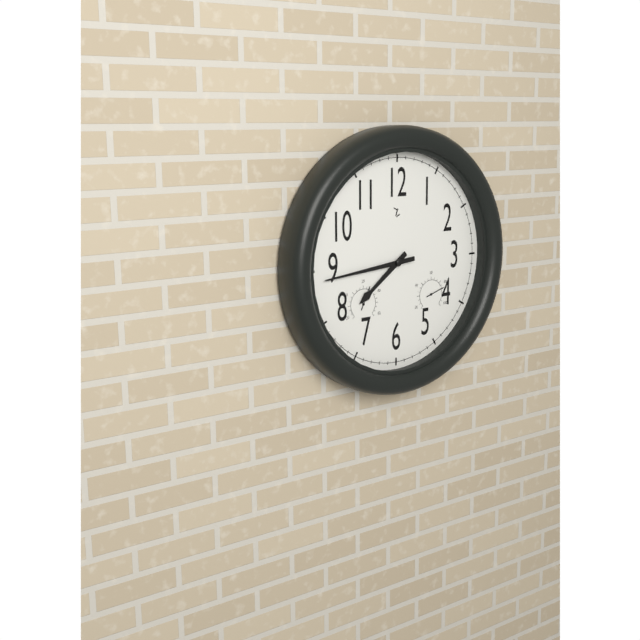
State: 7:44
